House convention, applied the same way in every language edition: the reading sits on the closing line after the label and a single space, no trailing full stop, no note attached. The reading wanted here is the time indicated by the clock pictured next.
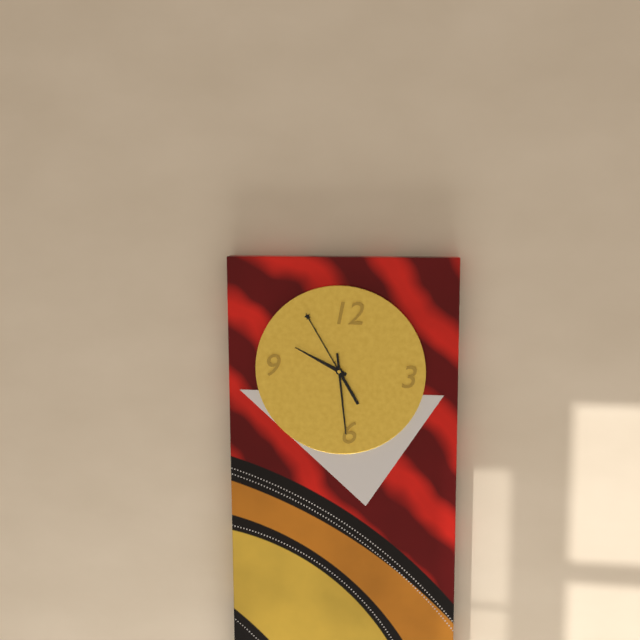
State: 9:55:29
